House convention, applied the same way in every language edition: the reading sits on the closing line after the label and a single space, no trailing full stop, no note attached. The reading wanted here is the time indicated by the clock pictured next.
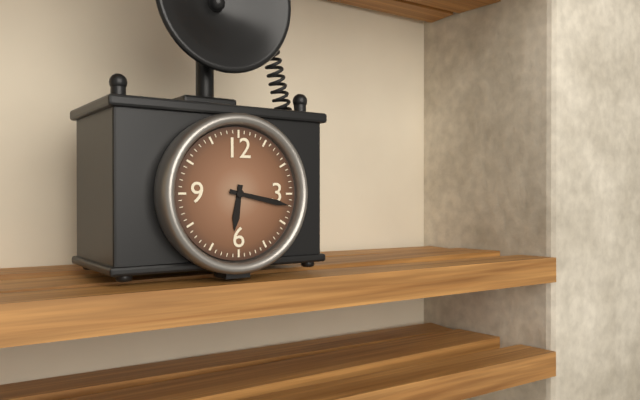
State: 6:17
